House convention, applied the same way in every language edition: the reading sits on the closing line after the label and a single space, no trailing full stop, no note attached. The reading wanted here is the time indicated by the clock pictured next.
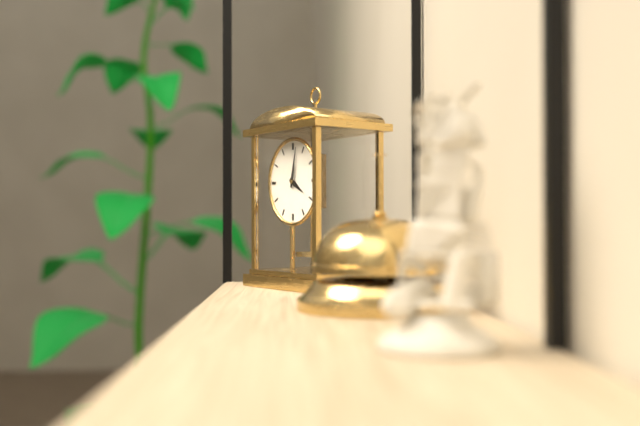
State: 4:02
